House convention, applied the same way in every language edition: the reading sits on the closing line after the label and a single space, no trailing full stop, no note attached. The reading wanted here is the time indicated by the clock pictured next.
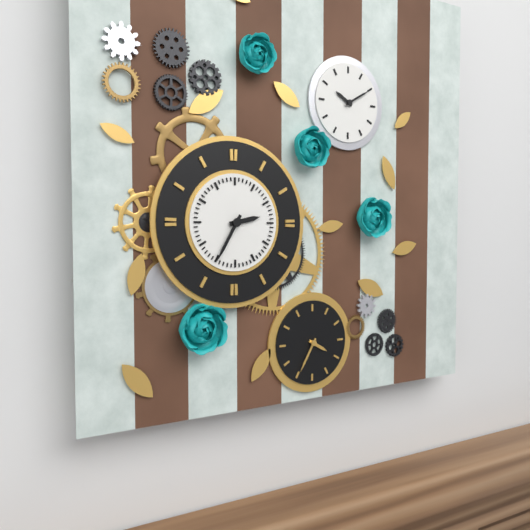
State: 2:35
